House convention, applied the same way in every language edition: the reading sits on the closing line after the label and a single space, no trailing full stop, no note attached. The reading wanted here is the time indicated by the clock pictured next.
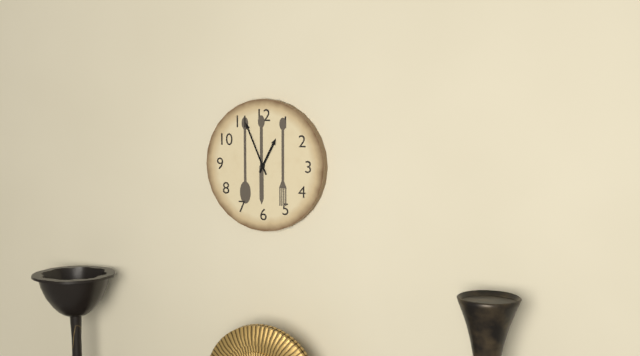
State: 12:56
